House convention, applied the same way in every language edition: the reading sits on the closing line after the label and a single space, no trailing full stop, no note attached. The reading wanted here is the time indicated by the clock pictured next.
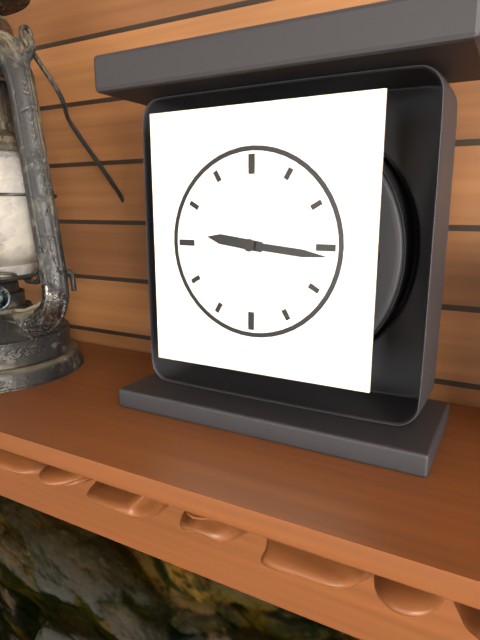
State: 9:16
